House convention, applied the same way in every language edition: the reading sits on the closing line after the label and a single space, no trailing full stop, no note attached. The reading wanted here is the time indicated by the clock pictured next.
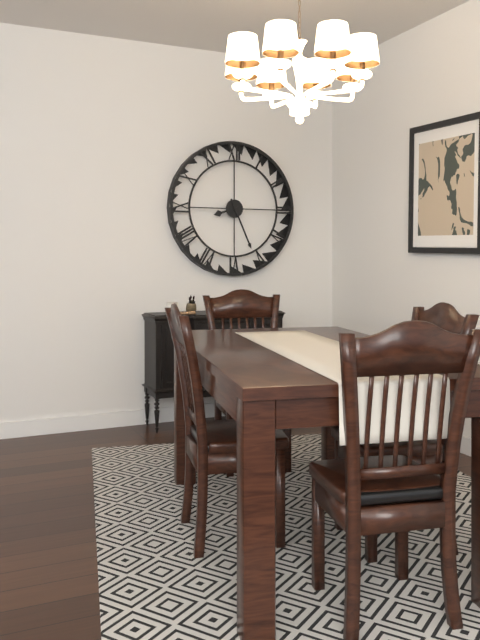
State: 8:26
